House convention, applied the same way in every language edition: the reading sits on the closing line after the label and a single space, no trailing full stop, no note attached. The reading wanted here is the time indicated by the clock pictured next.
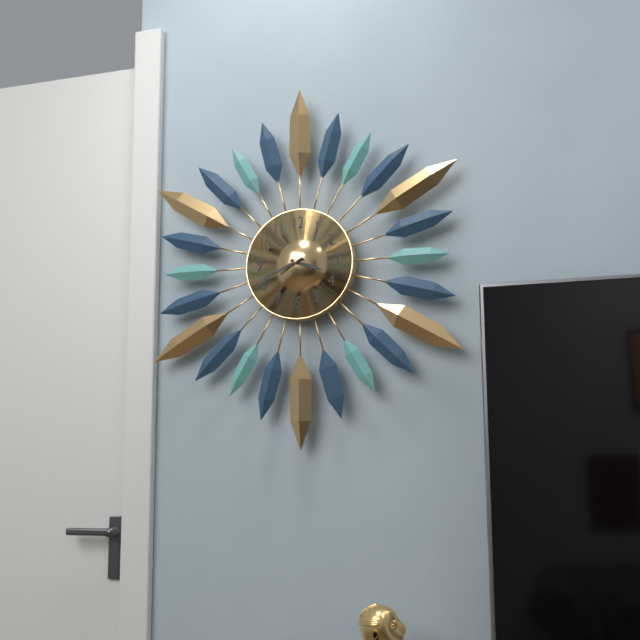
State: 3:41
